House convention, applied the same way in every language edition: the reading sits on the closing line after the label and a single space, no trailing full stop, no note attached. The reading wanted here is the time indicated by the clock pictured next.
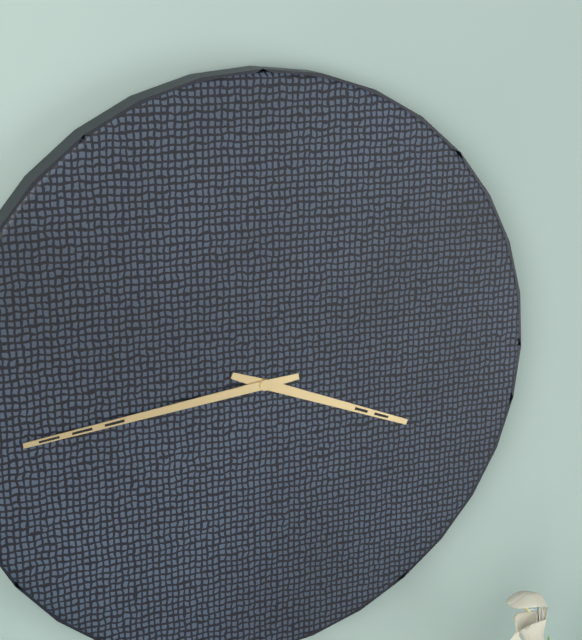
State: 3:44
